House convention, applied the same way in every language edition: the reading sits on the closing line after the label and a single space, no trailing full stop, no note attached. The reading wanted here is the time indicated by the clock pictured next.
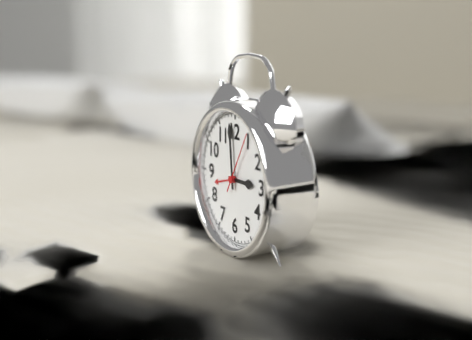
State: 2:59:05
